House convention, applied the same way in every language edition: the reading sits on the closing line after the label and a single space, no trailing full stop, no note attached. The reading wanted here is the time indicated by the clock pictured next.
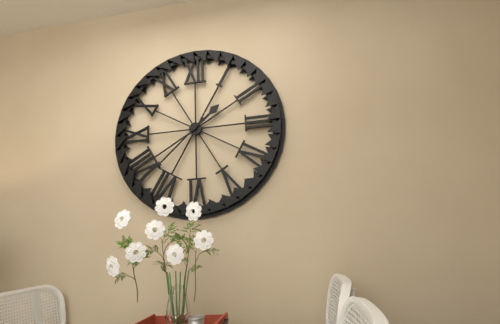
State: 1:38
